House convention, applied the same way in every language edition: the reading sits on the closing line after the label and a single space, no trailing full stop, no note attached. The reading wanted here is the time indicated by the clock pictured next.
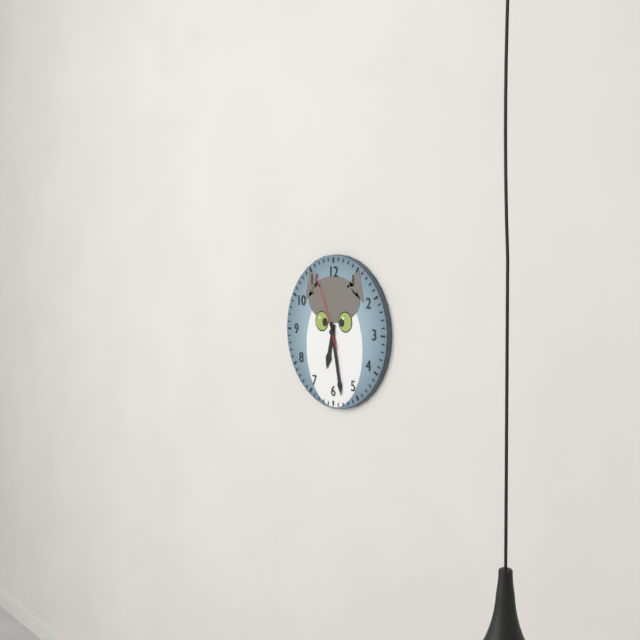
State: 6:28:56
